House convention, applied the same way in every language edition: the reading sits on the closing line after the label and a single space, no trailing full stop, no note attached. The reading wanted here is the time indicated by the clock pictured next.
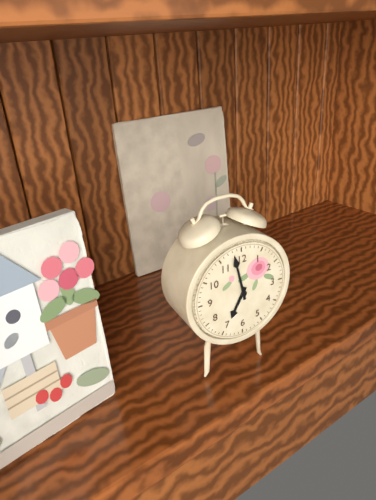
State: 6:58
